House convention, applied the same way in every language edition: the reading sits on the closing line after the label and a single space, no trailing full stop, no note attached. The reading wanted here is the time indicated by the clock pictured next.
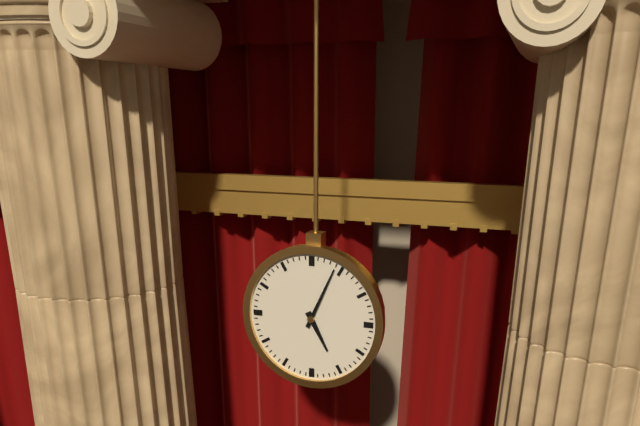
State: 5:04
